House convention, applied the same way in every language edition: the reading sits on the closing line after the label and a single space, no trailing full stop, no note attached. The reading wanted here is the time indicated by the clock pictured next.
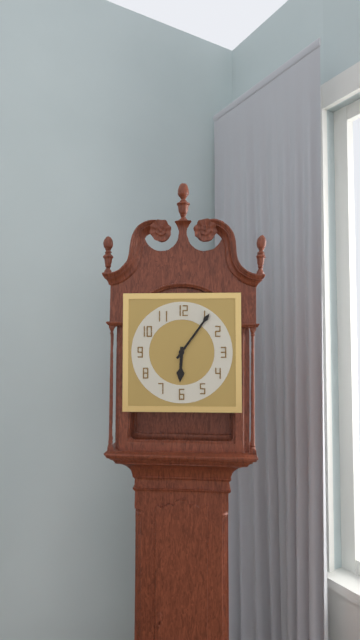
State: 6:06
